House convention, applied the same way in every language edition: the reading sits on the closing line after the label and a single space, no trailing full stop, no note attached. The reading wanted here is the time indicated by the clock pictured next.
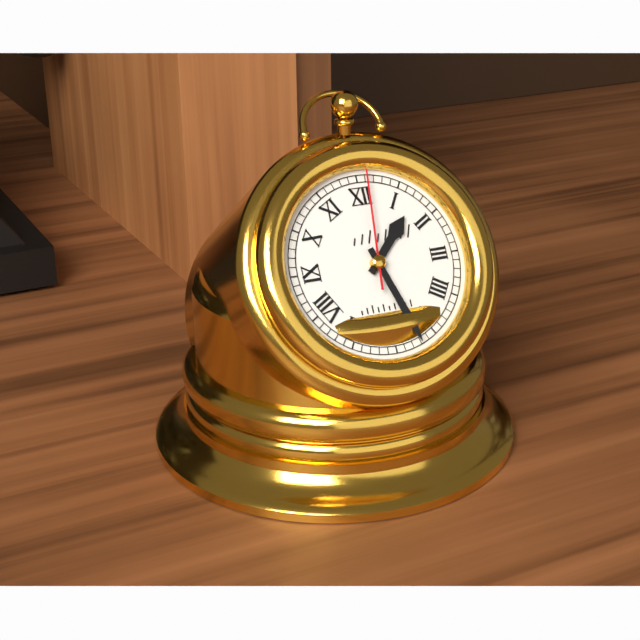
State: 1:27:01
